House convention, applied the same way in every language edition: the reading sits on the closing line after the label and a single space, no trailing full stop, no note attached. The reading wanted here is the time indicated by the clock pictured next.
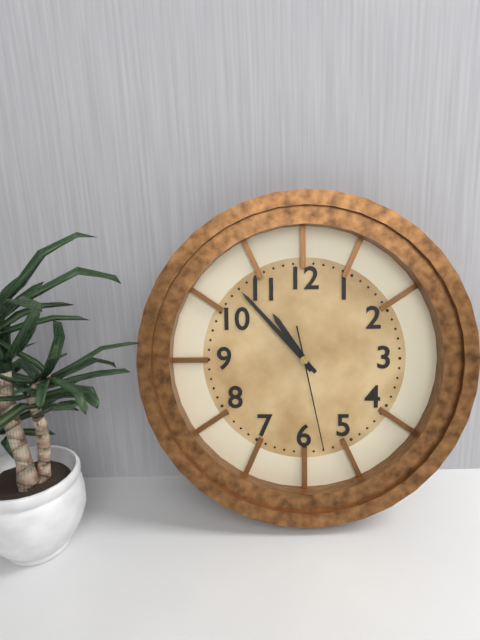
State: 10:53:28
